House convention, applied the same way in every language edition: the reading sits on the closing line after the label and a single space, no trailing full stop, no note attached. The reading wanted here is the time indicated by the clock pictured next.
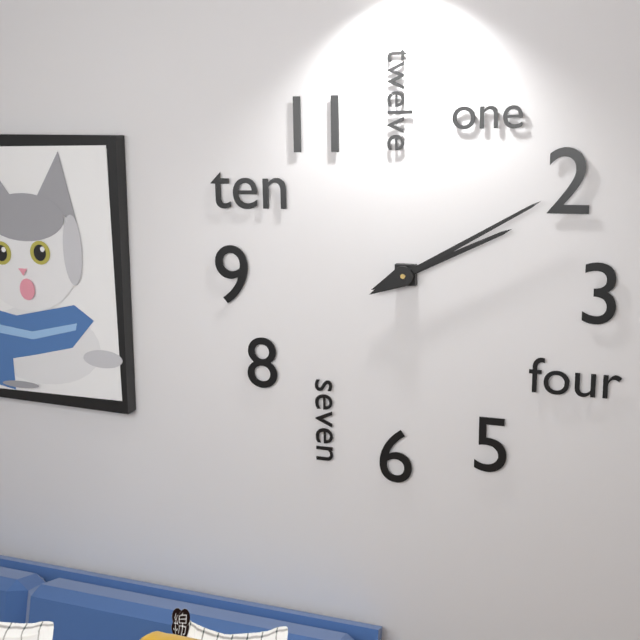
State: 2:10
